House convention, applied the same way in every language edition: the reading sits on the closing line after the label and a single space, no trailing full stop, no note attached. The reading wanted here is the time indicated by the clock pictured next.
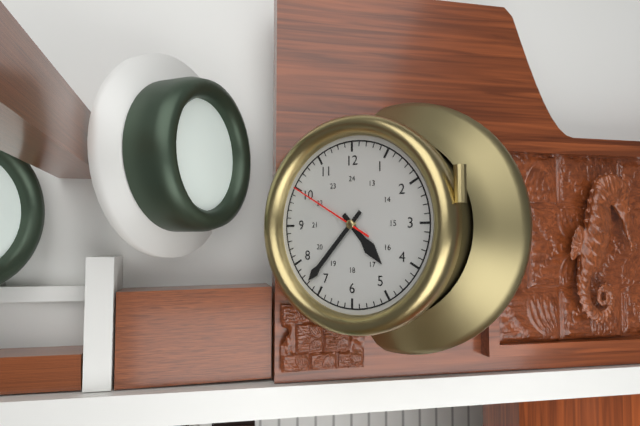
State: 4:37:50
